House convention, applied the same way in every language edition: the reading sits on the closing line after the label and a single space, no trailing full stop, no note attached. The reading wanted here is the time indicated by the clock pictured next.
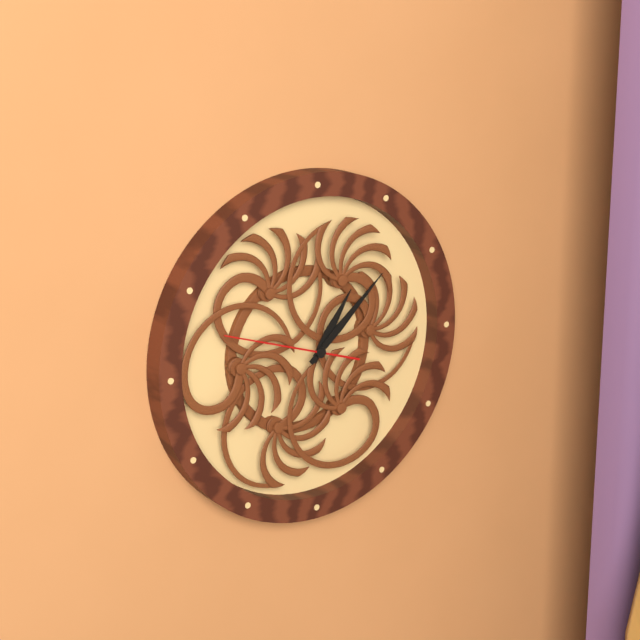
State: 1:08:48
